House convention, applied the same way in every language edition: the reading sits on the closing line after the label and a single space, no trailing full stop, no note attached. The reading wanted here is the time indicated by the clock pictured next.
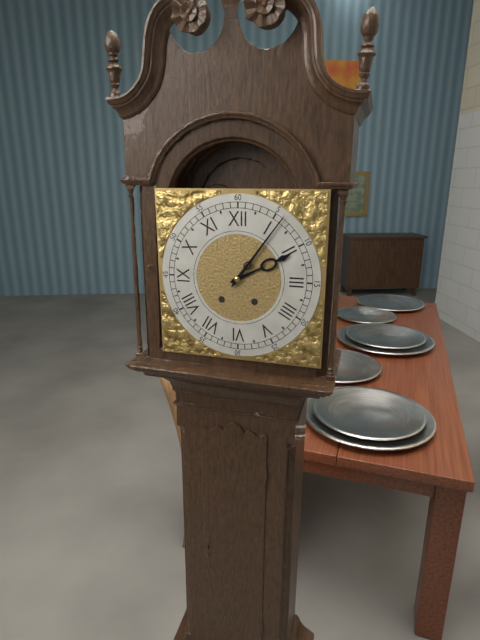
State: 2:06
